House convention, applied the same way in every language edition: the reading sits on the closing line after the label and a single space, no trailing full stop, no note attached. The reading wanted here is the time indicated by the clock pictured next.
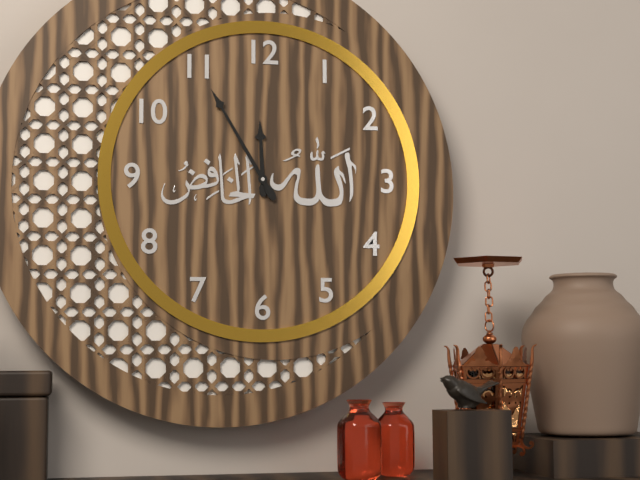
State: 11:55
